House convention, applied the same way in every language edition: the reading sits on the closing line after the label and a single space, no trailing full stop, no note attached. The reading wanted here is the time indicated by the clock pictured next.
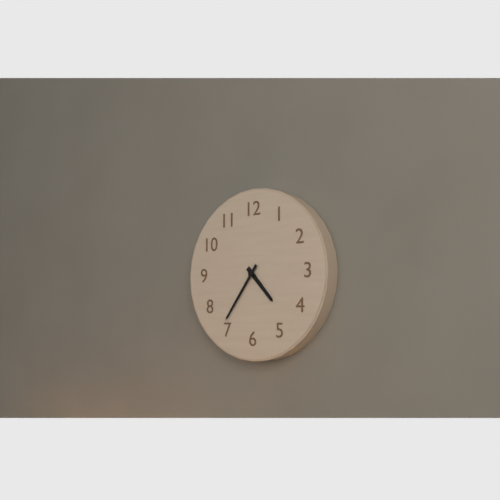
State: 4:36
